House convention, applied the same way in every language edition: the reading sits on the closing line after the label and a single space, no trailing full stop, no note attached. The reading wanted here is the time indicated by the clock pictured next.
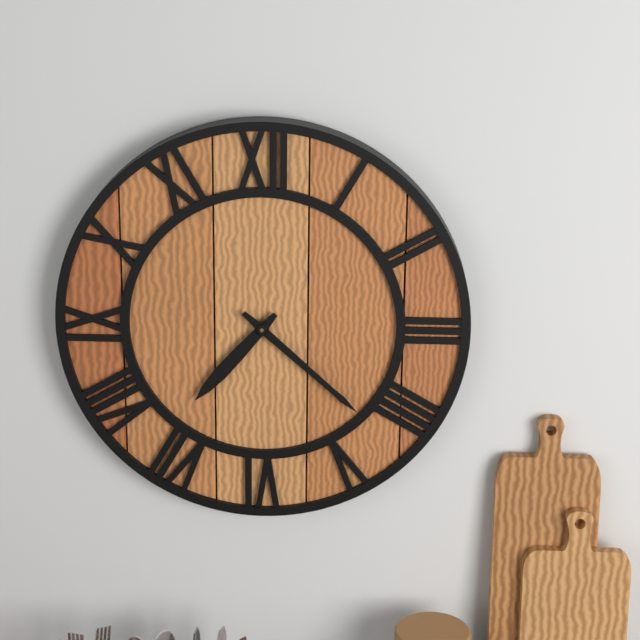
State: 7:22
